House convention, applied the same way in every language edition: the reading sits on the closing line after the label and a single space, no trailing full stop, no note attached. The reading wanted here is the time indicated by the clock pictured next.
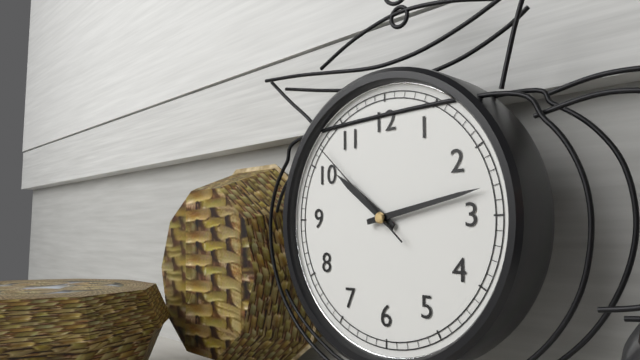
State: 10:13:52
